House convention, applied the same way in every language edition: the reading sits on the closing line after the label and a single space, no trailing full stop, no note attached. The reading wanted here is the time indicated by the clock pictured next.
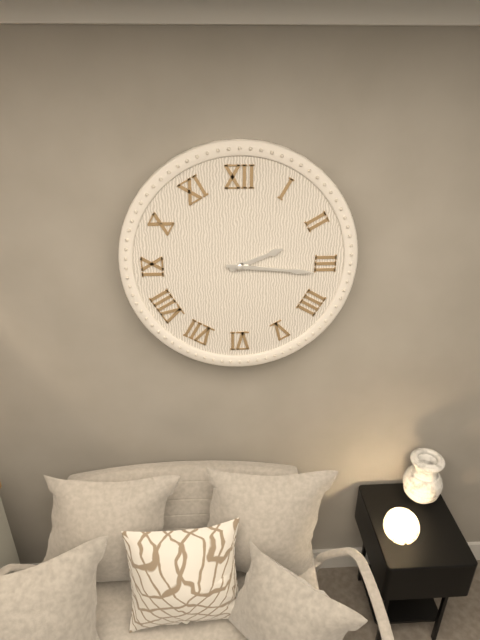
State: 2:16
